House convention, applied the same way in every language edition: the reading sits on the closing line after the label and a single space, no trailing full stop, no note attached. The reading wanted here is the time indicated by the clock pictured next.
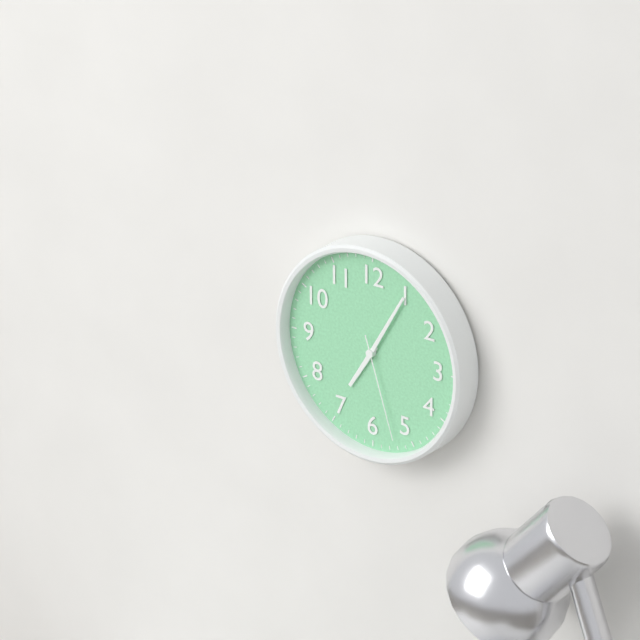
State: 7:05:27
